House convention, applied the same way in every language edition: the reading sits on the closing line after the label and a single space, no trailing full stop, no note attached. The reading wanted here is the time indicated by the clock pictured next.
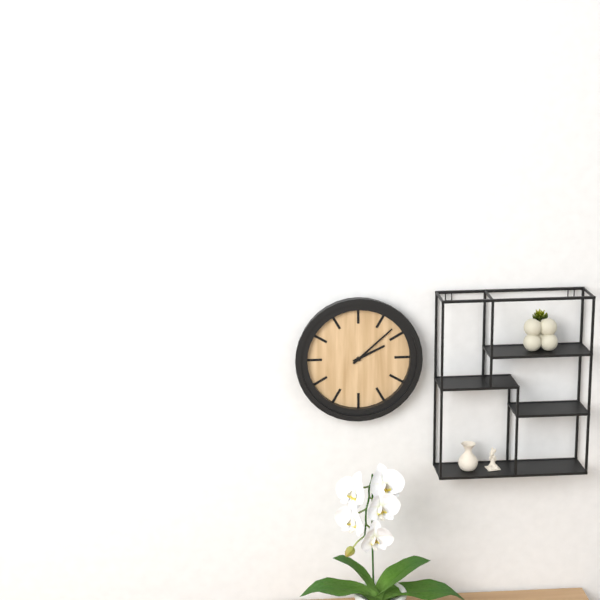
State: 2:08
